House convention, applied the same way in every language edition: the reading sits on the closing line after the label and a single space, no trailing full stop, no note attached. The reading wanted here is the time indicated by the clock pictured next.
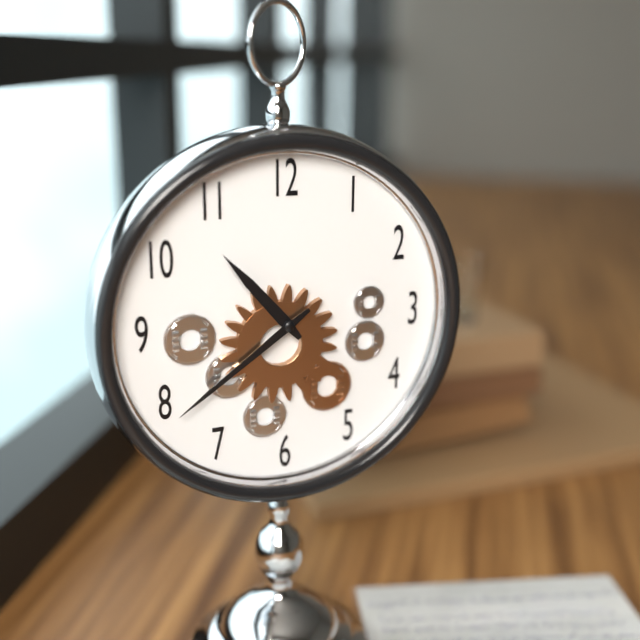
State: 10:39
